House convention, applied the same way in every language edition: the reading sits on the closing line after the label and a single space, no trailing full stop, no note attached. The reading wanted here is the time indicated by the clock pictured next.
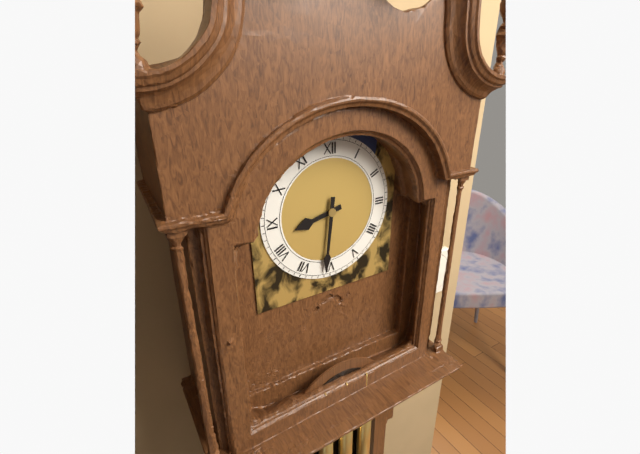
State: 8:31
